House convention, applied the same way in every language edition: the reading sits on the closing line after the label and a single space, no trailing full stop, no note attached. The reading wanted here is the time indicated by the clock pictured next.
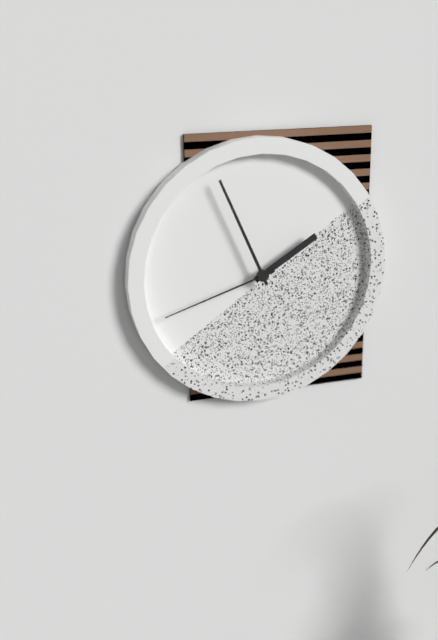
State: 1:56:42
